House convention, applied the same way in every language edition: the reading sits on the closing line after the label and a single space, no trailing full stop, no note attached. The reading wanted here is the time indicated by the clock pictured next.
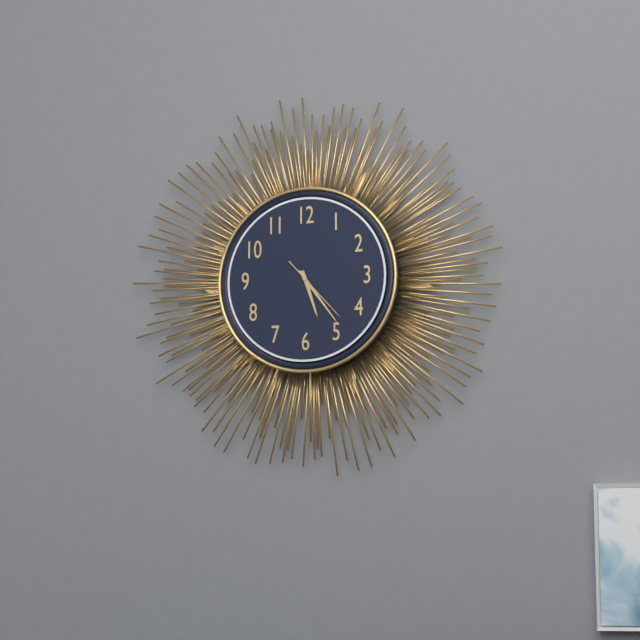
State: 5:24:23
